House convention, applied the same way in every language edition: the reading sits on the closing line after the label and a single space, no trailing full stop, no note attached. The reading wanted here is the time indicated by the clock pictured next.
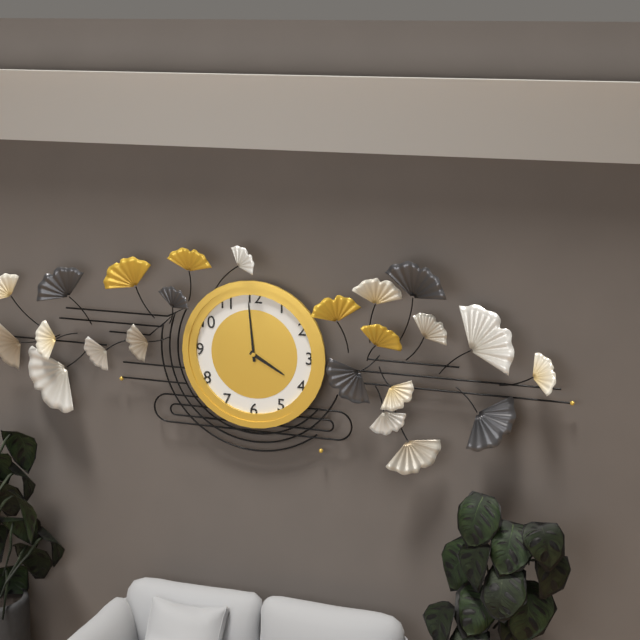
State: 3:59
